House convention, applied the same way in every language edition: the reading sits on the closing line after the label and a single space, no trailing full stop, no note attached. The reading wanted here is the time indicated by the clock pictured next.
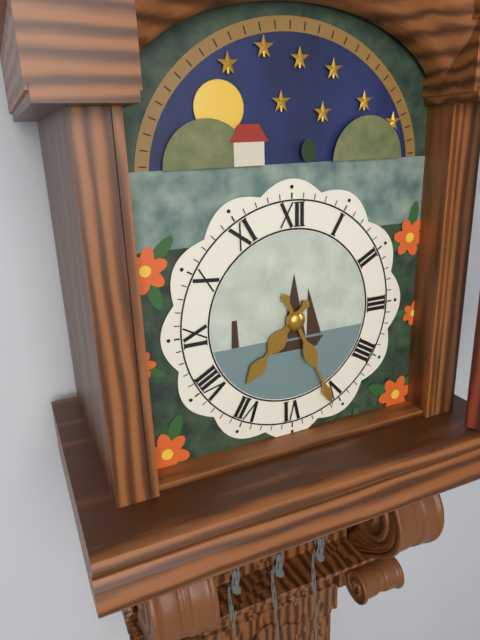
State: 7:26
